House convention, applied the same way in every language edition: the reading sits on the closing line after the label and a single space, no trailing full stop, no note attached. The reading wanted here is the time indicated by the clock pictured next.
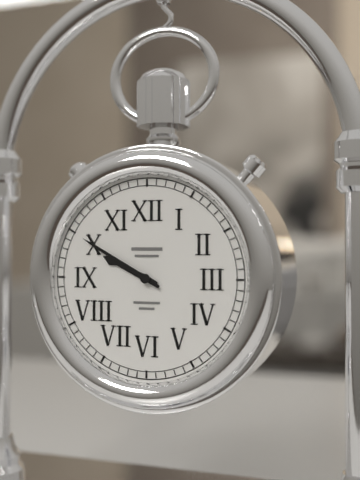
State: 9:50
